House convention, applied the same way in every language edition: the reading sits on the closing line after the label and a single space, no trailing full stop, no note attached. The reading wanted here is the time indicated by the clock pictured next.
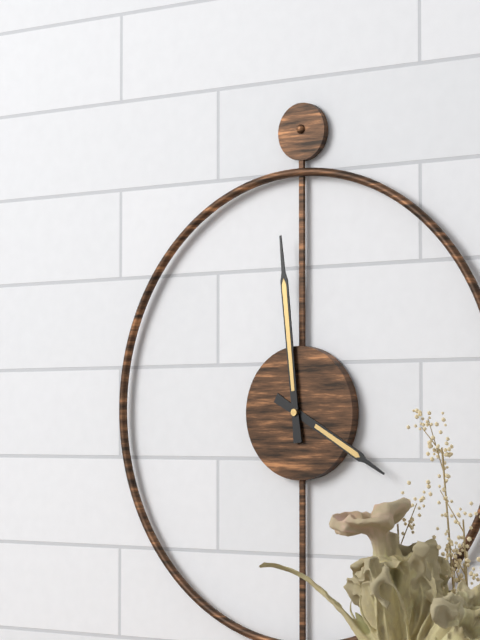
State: 3:59
